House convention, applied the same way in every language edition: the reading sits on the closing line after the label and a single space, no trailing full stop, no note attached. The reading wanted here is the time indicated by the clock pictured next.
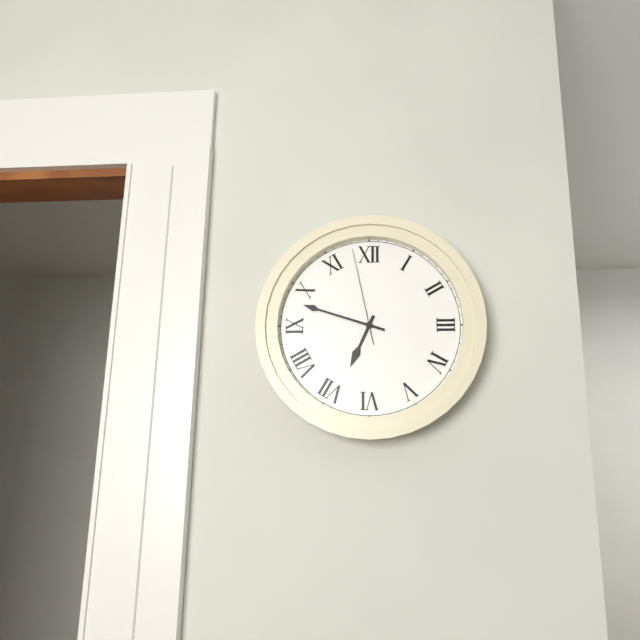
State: 6:48:58
